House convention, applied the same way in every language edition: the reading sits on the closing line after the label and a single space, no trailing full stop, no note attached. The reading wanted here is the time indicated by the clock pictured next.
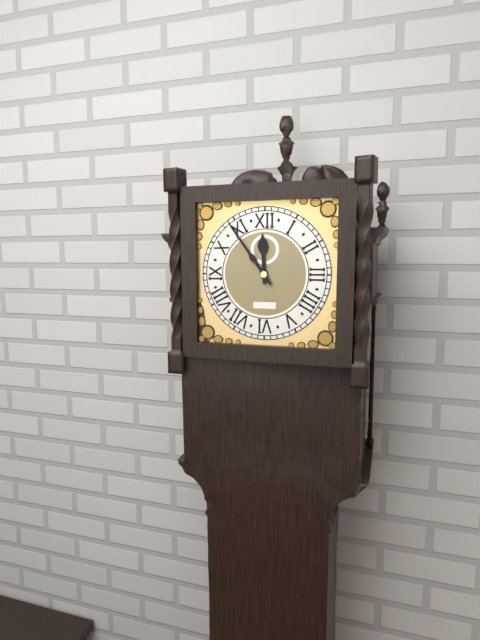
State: 11:54
